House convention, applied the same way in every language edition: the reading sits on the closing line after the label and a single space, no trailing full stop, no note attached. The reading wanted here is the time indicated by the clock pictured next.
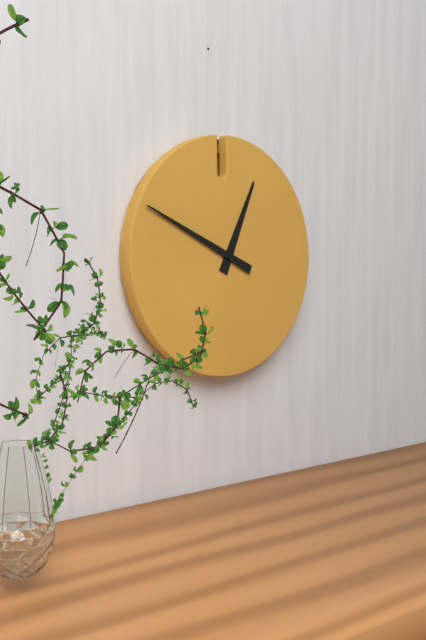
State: 12:49
